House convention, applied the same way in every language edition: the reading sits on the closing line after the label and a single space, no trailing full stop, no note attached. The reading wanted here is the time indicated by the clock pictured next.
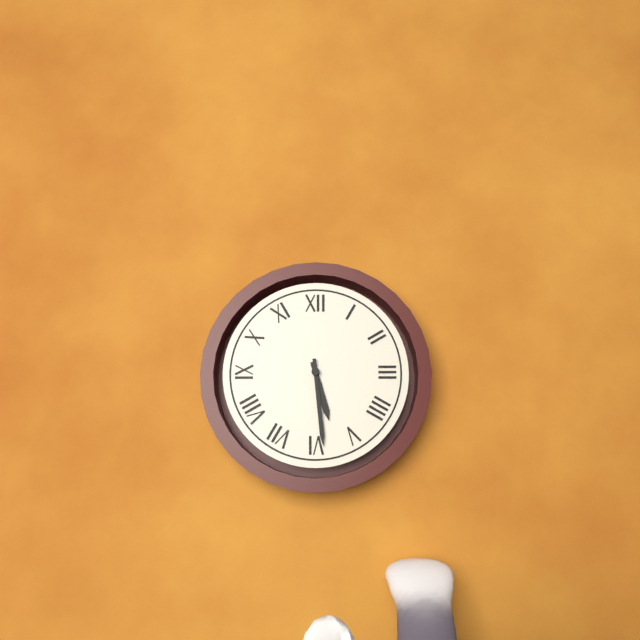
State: 5:29
